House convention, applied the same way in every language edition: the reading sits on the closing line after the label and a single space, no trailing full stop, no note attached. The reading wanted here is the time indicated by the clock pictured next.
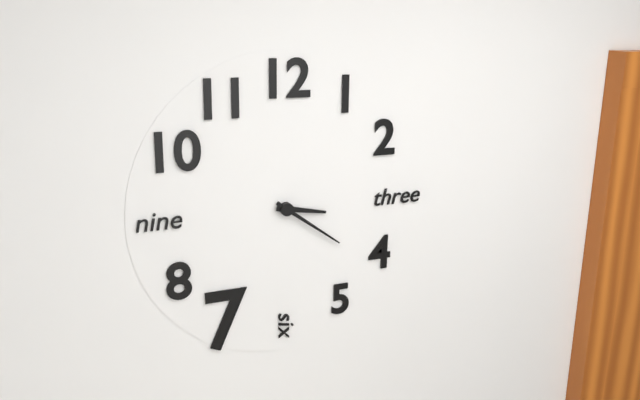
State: 3:21
